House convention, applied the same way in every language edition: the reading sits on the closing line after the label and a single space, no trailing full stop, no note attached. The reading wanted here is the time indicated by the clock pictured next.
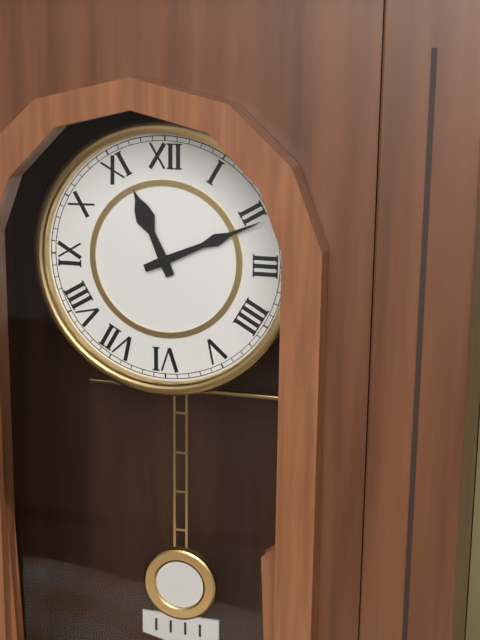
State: 11:11
